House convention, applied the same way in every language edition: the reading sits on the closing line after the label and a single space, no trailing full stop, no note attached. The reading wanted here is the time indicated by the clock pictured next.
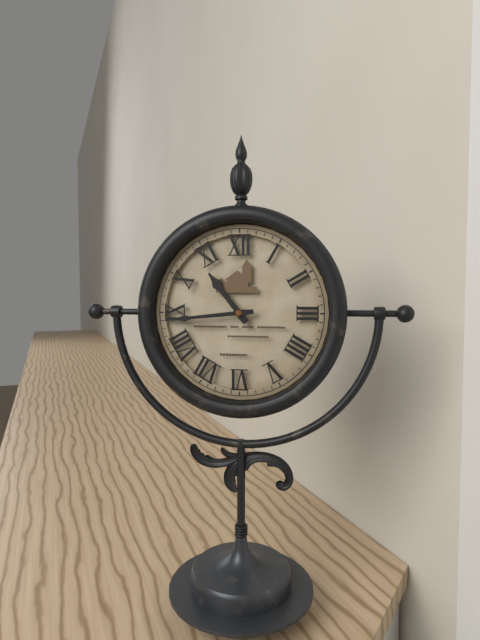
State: 10:44
